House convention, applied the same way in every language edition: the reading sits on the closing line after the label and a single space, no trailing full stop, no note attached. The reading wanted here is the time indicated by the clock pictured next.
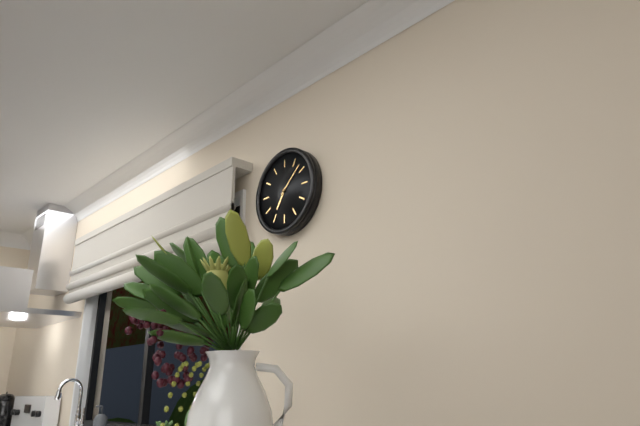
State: 7:08
